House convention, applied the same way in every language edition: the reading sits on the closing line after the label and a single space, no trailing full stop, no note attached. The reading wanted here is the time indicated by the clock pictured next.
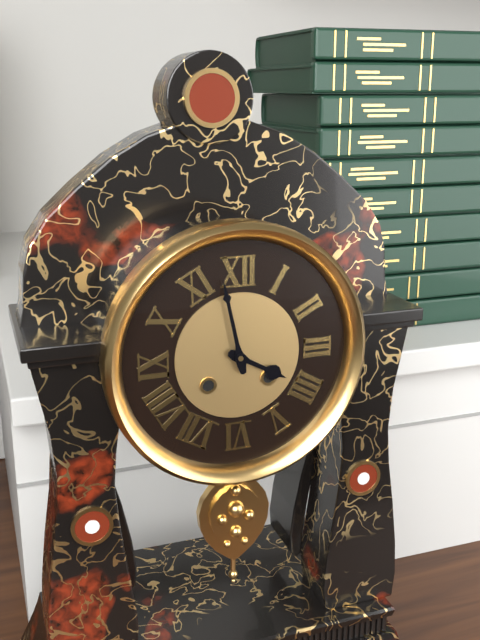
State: 3:58
